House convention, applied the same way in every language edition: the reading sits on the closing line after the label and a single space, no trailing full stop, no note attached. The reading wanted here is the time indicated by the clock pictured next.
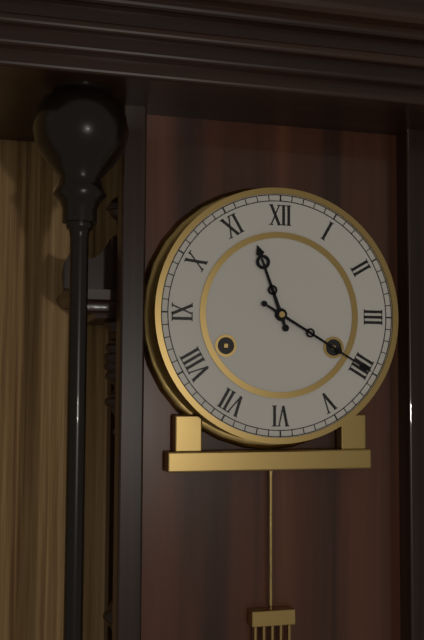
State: 11:20
